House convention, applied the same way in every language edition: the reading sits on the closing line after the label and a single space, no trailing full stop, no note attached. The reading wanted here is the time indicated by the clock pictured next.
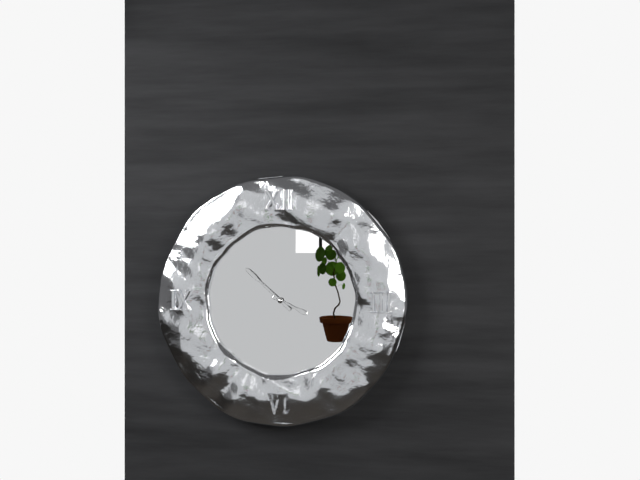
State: 3:52
